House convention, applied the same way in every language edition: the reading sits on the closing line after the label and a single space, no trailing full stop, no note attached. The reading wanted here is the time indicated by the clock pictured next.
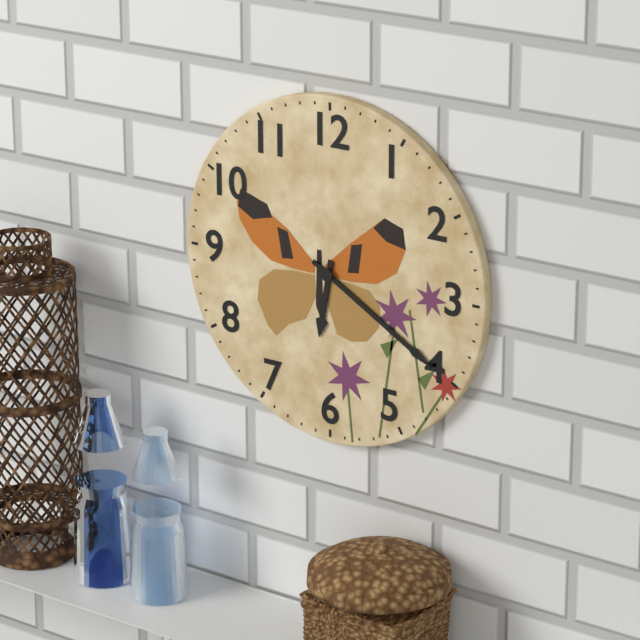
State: 6:20
